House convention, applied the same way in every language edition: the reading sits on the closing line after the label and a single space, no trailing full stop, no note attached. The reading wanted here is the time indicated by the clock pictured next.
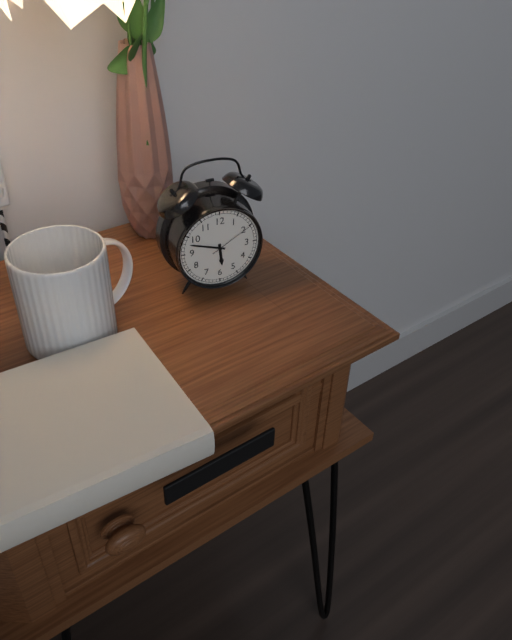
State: 5:48
